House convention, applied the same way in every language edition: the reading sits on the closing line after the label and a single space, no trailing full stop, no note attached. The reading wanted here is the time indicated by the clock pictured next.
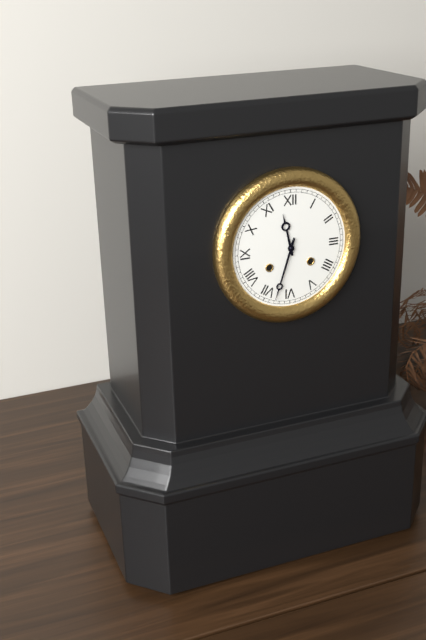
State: 11:33
